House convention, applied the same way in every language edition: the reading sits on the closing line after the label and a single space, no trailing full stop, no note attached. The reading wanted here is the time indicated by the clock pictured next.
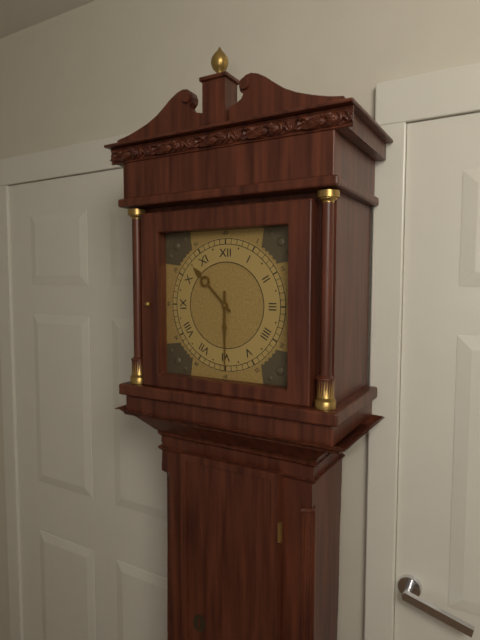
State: 10:30
